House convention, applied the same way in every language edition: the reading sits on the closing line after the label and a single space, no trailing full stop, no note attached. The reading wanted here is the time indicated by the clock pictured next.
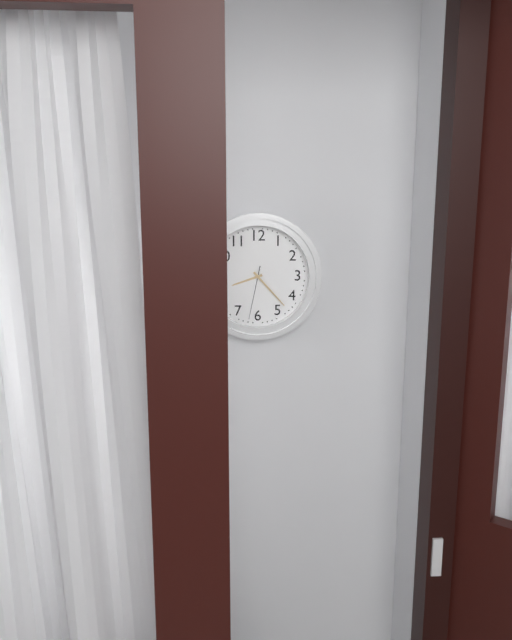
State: 8:23:32
